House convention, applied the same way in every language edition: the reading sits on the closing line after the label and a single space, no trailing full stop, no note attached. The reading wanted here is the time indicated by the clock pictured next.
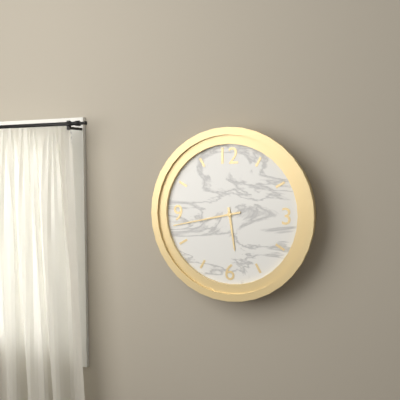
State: 5:43
